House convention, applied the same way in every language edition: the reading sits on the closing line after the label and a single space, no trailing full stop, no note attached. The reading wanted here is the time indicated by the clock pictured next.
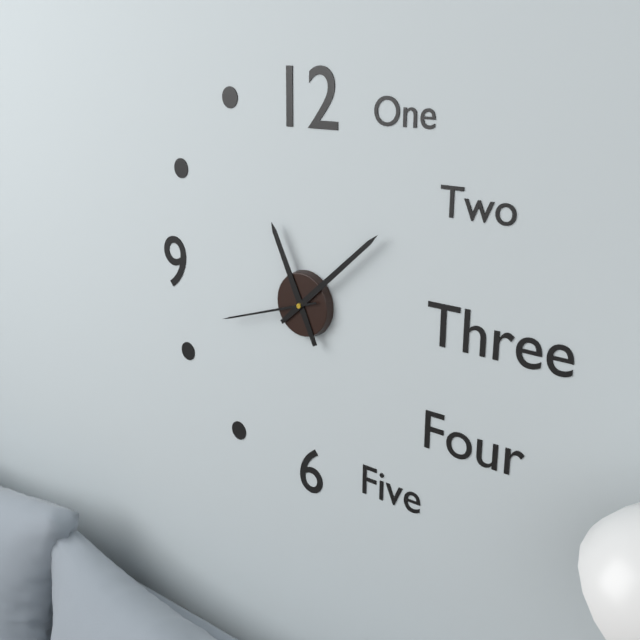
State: 11:08:42
